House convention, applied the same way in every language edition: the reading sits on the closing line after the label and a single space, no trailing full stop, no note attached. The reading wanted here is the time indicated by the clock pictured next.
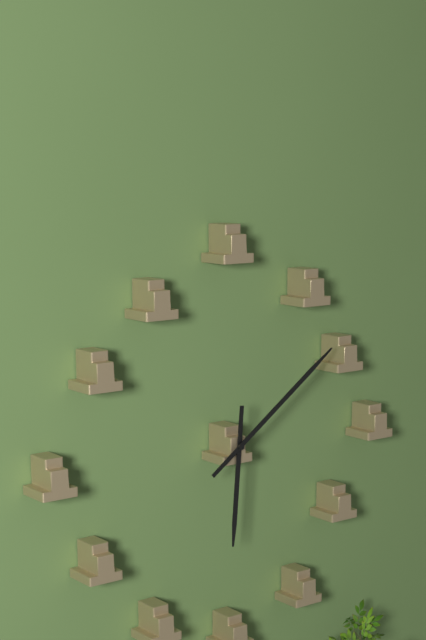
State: 6:09
